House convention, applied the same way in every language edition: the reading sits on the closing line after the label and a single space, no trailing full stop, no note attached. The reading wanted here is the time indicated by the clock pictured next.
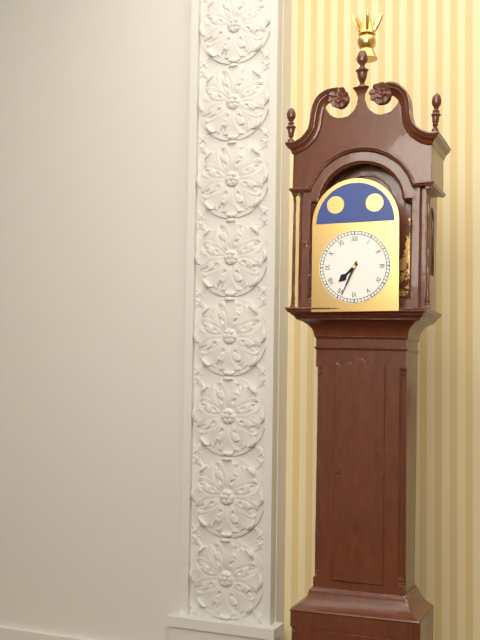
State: 7:34
